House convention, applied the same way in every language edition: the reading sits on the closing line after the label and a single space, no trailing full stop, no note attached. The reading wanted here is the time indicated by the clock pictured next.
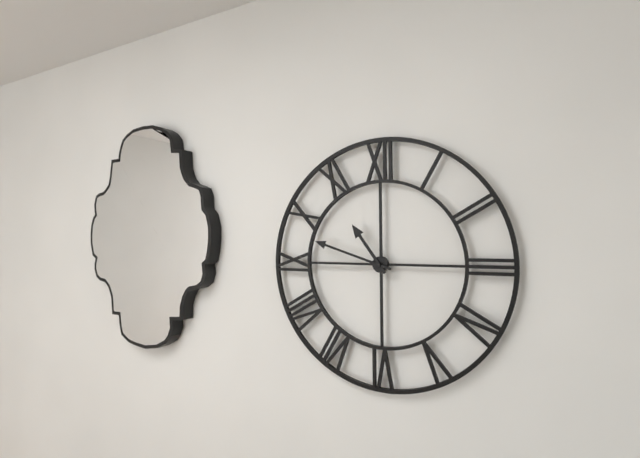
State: 10:48
